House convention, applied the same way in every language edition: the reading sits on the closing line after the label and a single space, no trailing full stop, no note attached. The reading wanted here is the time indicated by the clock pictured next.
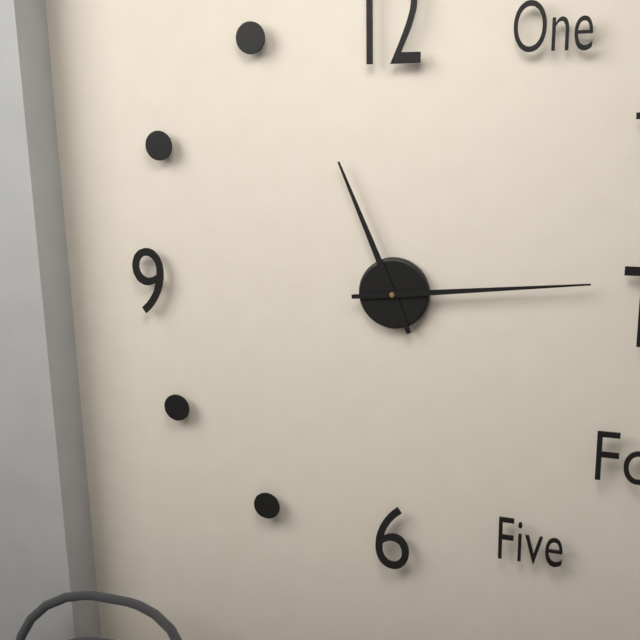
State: 11:14
